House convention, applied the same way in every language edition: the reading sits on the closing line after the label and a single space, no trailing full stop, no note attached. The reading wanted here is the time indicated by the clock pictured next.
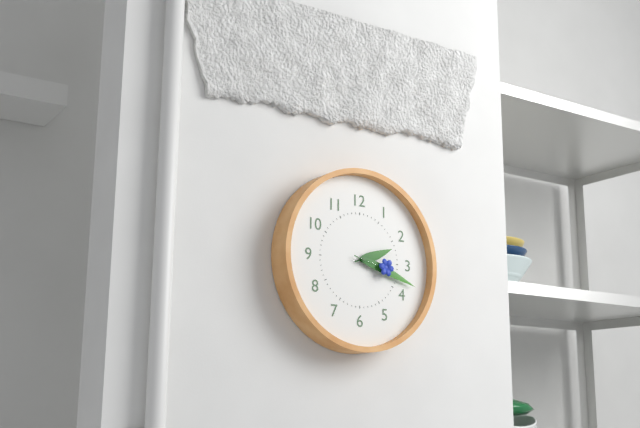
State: 2:18
